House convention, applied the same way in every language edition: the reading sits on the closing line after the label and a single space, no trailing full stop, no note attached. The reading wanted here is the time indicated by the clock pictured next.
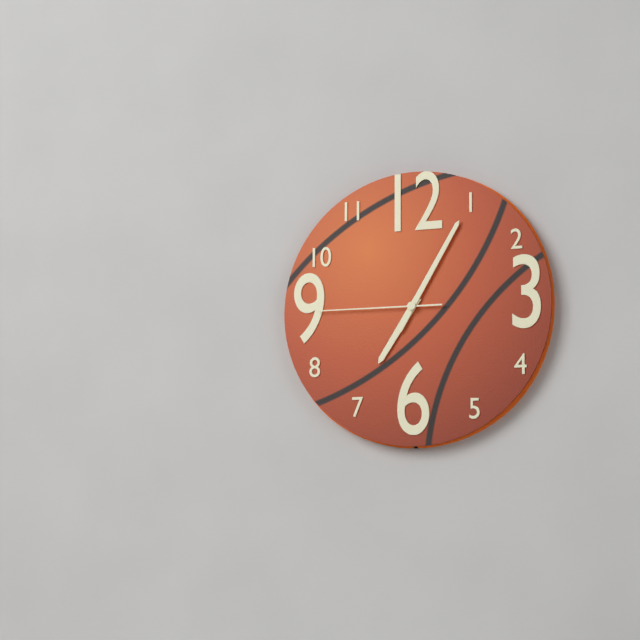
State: 7:05:45
